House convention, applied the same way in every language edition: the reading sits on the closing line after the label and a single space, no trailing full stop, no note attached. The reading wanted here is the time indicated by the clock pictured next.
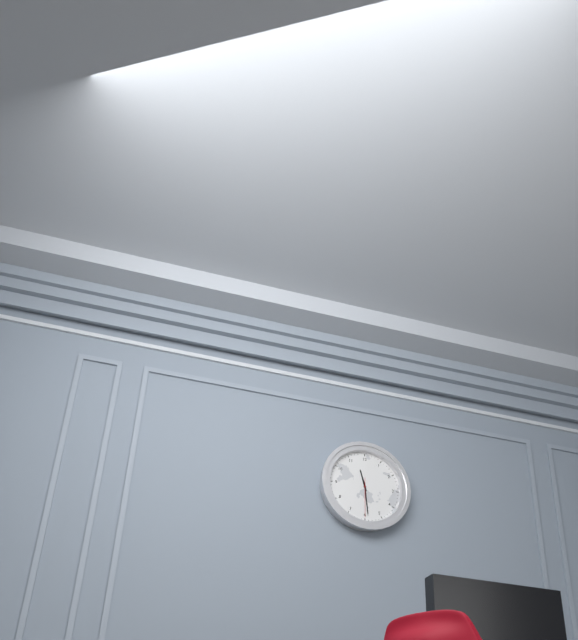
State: 11:29
